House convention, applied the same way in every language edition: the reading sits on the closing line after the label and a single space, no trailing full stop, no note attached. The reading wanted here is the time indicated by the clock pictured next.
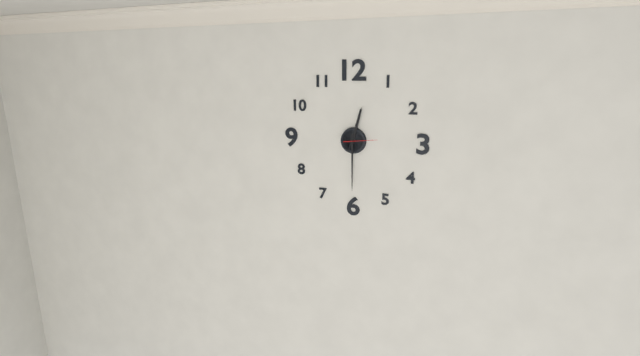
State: 12:30
